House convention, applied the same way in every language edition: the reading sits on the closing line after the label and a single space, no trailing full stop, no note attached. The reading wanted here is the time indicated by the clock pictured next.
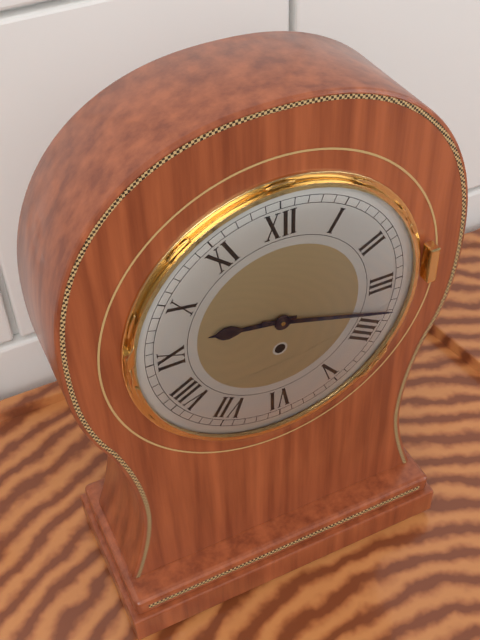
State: 9:18
